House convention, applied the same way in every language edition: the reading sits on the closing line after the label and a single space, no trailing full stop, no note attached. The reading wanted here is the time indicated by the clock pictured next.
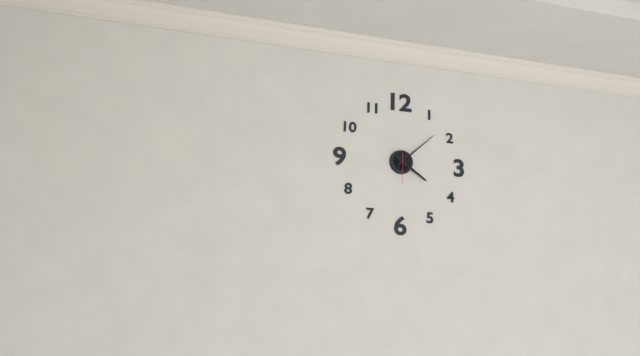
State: 4:08
